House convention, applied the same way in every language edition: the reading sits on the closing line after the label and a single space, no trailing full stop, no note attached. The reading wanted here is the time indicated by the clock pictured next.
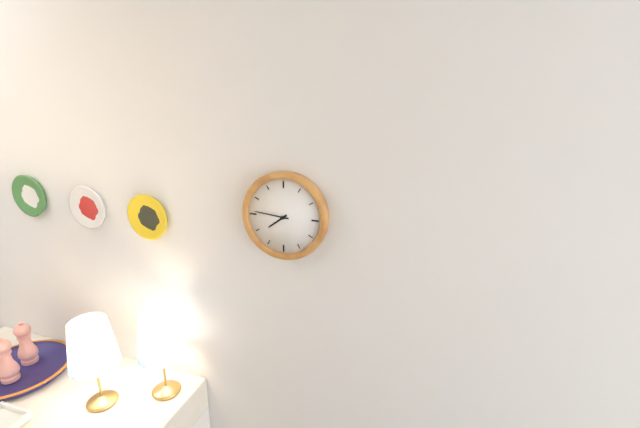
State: 7:46
